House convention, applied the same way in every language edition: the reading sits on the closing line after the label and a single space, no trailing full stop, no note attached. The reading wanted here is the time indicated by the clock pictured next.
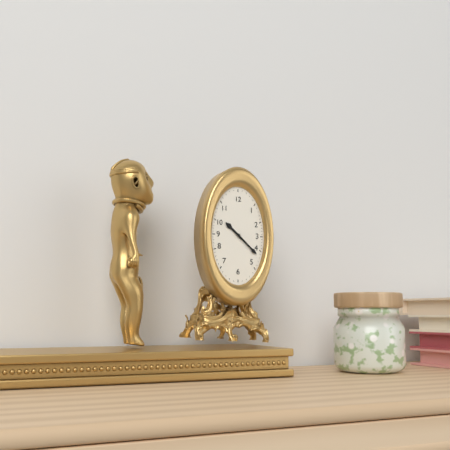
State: 10:22
